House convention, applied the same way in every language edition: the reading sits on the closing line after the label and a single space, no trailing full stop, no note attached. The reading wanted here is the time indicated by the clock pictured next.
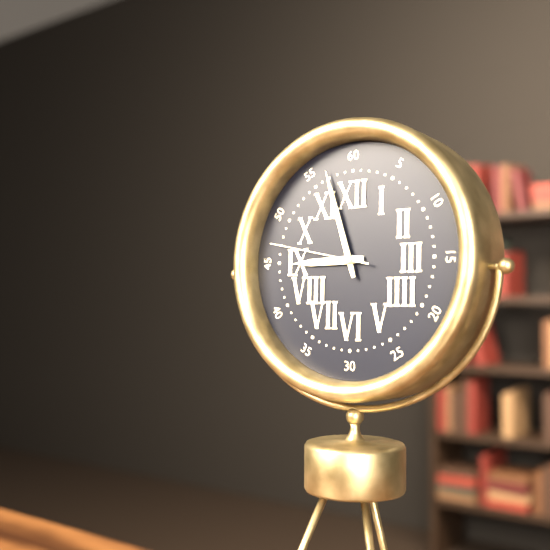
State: 8:57:47
